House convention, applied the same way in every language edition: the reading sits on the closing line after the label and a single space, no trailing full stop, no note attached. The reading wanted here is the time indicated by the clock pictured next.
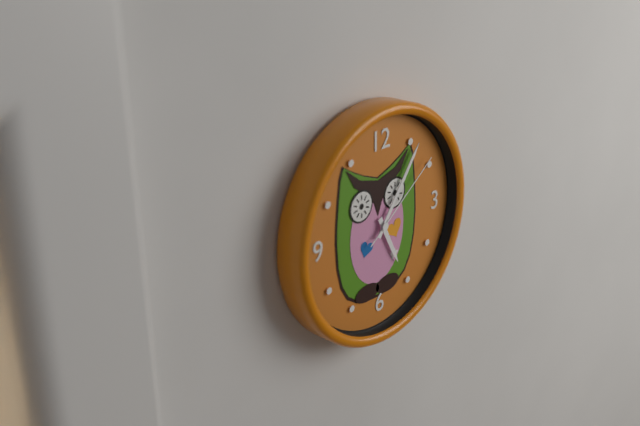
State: 5:06:09
